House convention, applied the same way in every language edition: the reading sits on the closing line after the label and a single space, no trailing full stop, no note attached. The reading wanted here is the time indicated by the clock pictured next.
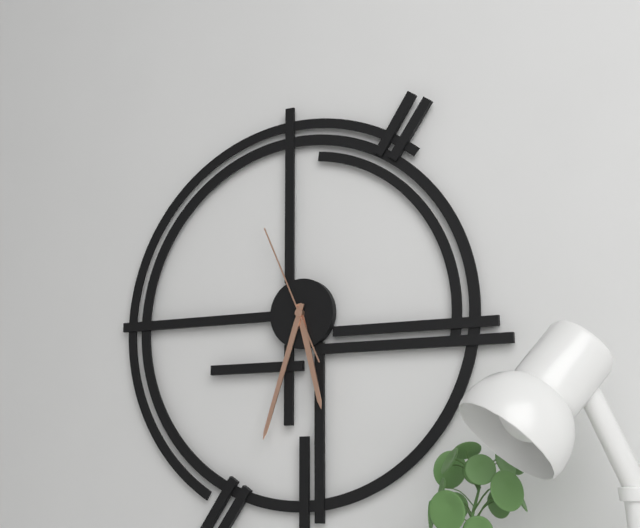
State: 5:33:56
